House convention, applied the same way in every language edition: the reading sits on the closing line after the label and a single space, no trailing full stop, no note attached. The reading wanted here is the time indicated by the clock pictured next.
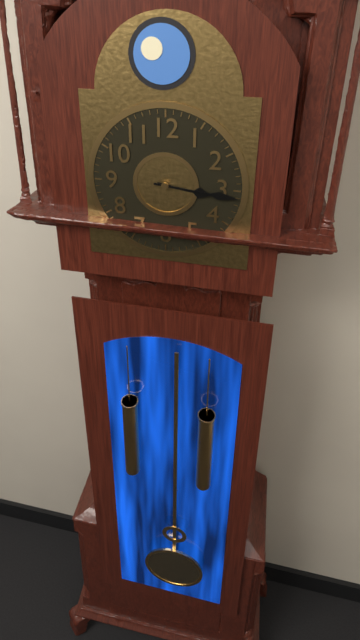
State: 3:16
